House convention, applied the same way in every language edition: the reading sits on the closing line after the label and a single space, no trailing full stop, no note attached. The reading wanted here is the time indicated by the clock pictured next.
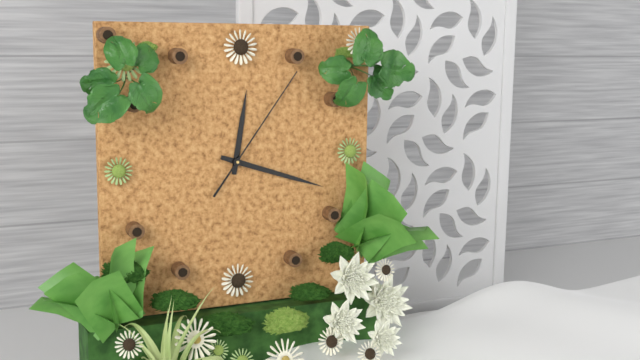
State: 12:18:06
